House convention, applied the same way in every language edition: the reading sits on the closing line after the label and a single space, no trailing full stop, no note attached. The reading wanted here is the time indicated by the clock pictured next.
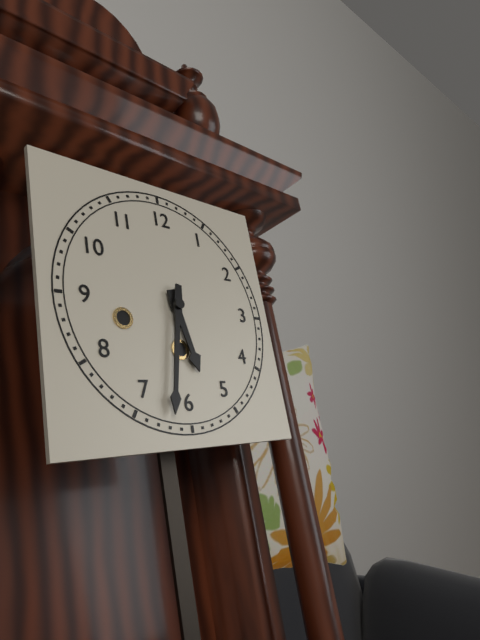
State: 5:32
